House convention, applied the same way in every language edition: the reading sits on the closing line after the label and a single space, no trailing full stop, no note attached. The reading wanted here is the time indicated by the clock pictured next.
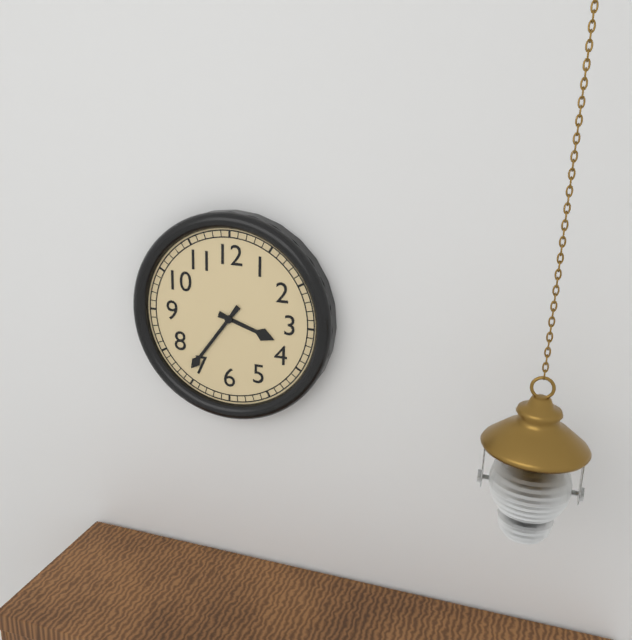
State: 3:36
